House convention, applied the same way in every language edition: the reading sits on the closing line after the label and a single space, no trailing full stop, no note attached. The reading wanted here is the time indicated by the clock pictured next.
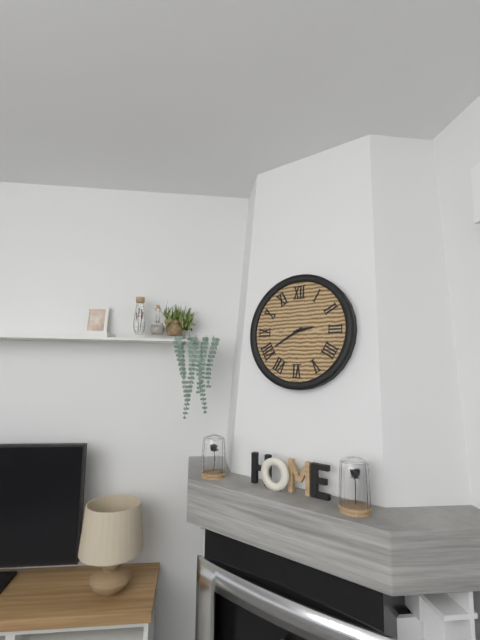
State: 2:40
